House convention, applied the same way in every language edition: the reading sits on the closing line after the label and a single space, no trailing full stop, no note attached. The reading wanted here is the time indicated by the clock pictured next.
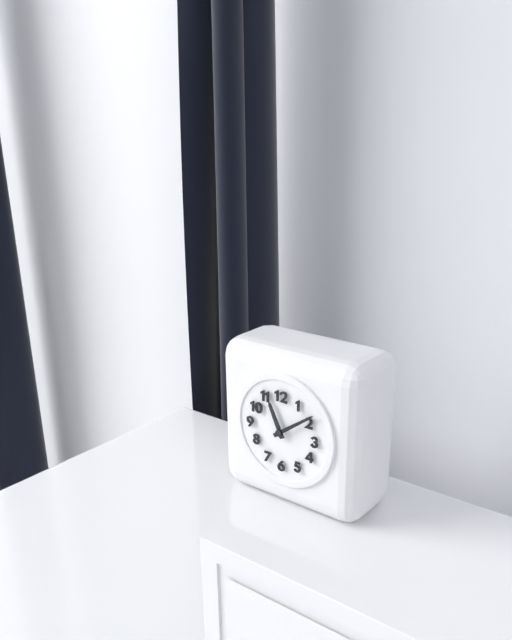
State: 11:09
